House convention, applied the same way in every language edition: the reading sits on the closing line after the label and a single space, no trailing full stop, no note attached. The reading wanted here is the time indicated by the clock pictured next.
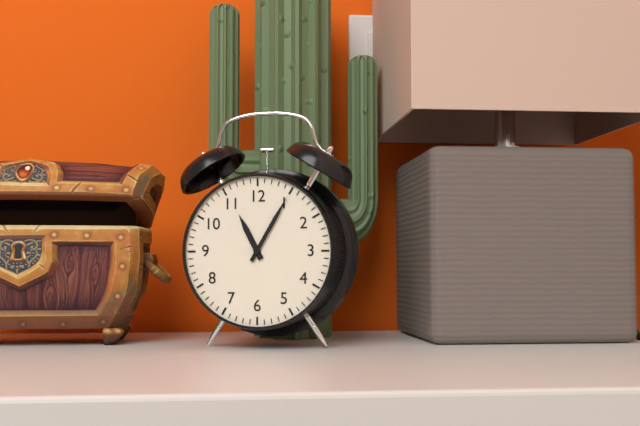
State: 11:05
